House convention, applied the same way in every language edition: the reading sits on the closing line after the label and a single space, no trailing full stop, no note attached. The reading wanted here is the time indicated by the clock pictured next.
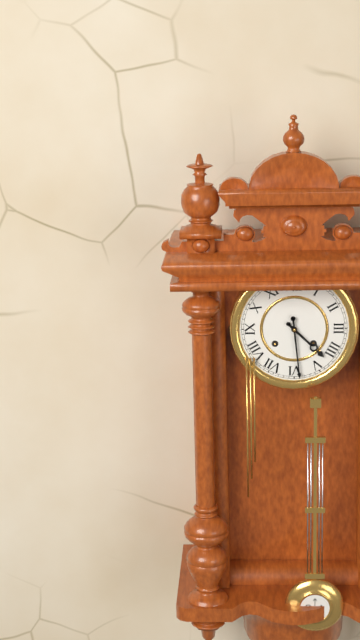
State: 4:29
